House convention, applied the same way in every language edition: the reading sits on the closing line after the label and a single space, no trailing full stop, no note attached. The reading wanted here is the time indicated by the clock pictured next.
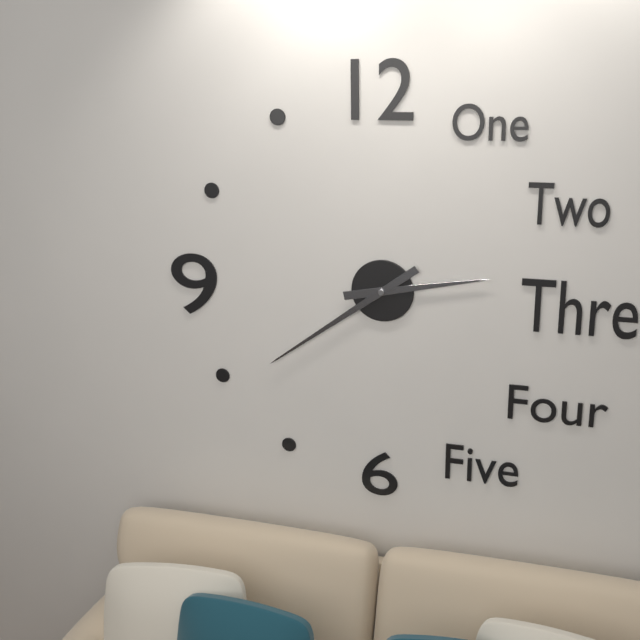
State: 2:39
